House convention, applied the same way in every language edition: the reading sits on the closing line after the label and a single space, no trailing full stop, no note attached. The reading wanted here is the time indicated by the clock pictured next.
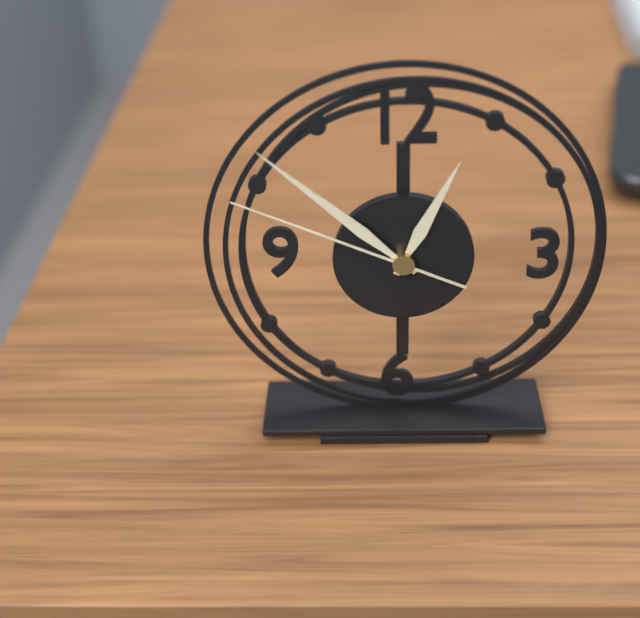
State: 12:52:49
